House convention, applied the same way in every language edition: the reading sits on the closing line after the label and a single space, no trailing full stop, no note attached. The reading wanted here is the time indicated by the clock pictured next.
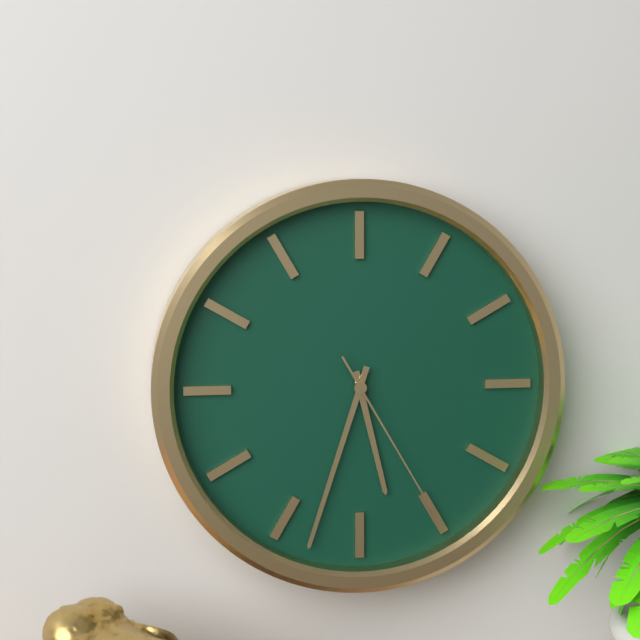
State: 5:33:25
